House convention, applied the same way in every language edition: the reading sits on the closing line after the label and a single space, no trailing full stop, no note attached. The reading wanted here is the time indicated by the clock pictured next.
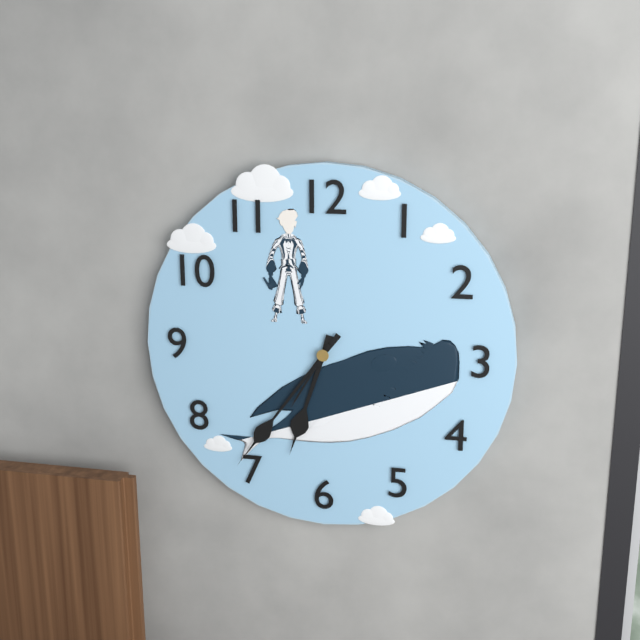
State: 6:36:35
